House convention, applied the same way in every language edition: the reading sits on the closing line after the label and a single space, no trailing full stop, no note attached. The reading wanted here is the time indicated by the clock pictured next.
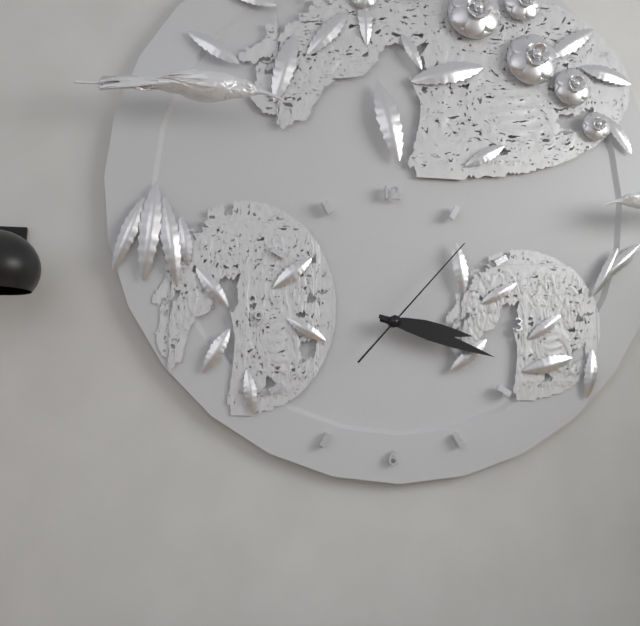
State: 3:18:07
